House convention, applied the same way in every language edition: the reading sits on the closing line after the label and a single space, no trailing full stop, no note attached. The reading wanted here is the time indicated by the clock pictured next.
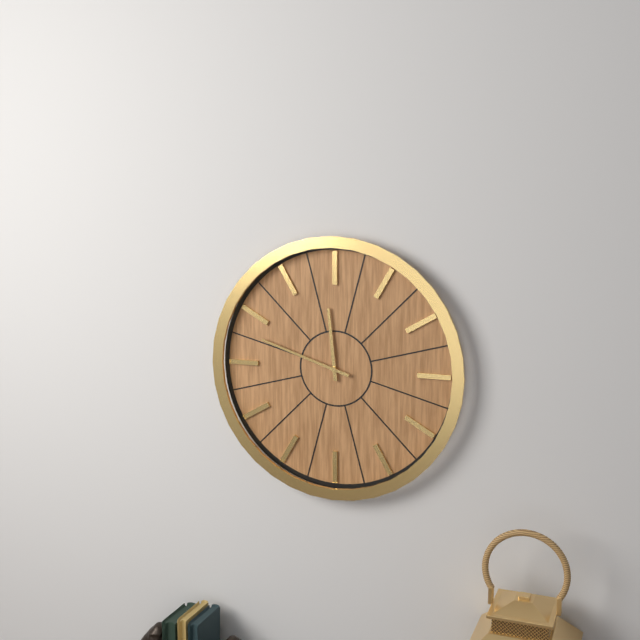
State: 11:48
